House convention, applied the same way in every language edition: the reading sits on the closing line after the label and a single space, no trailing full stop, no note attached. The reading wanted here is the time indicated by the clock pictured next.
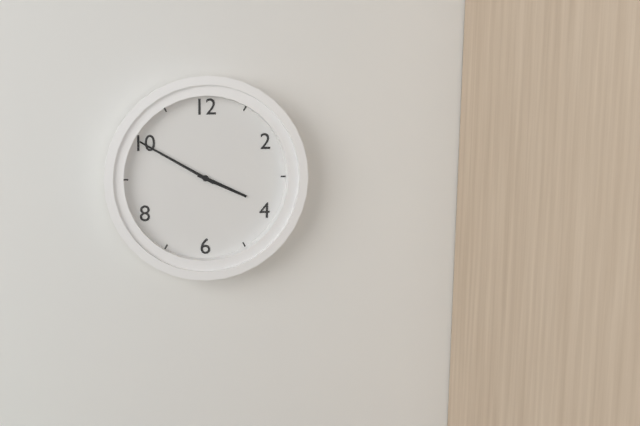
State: 3:50
